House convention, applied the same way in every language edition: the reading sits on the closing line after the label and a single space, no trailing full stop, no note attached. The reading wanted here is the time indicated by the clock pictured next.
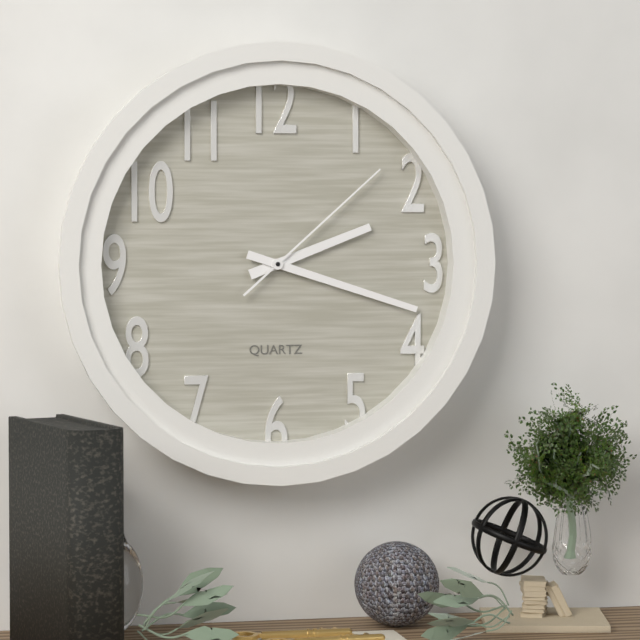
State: 2:18:08
